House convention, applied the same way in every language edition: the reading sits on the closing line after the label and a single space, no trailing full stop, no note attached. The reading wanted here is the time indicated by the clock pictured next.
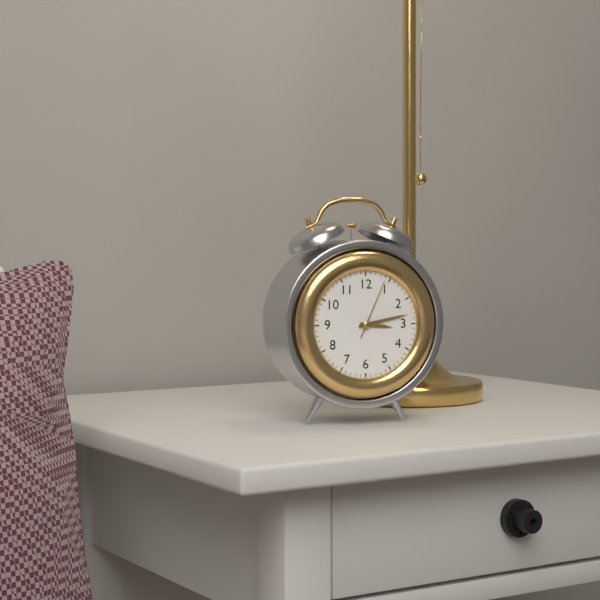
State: 3:13:04
